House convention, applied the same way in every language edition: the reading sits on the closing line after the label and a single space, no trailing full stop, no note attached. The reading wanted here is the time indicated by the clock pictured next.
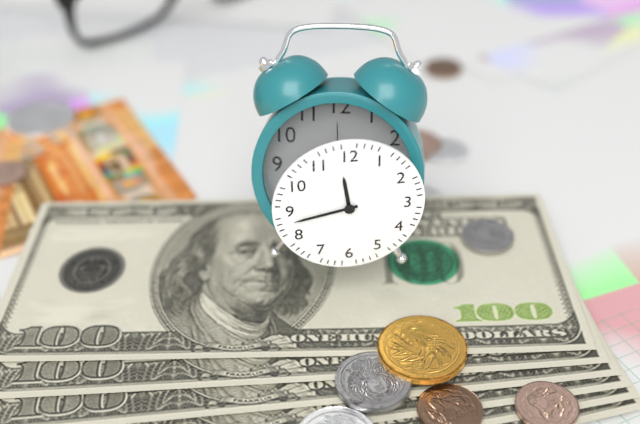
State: 11:43
